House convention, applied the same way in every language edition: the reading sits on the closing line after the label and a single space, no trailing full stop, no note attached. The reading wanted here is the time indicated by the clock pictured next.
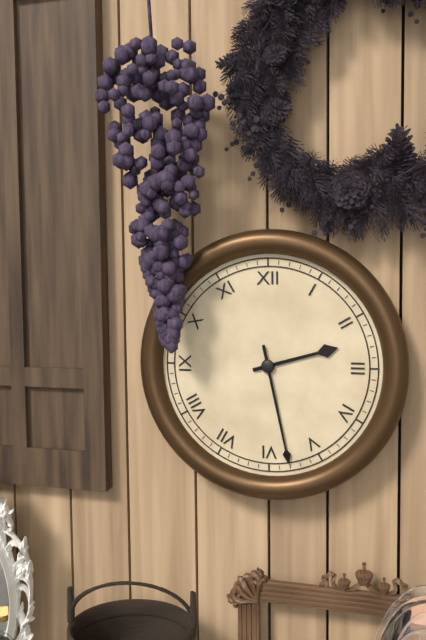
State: 2:28
